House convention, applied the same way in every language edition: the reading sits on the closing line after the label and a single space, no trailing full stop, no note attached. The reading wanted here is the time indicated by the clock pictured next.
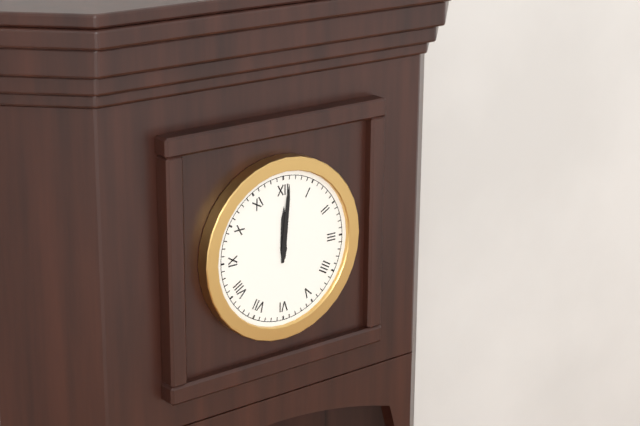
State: 12:01
